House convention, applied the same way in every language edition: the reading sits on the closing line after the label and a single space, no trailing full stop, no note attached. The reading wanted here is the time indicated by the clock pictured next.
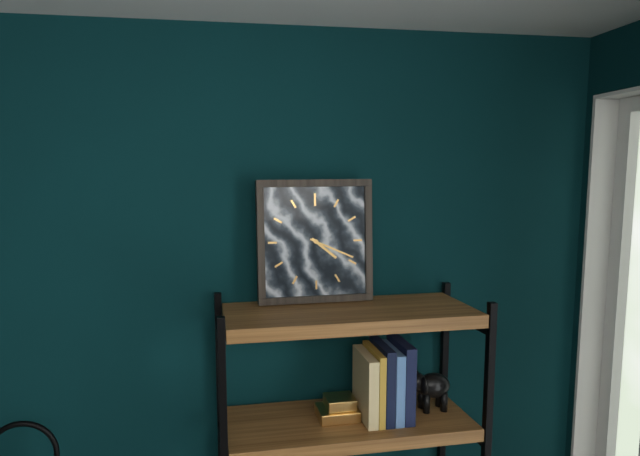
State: 4:19
